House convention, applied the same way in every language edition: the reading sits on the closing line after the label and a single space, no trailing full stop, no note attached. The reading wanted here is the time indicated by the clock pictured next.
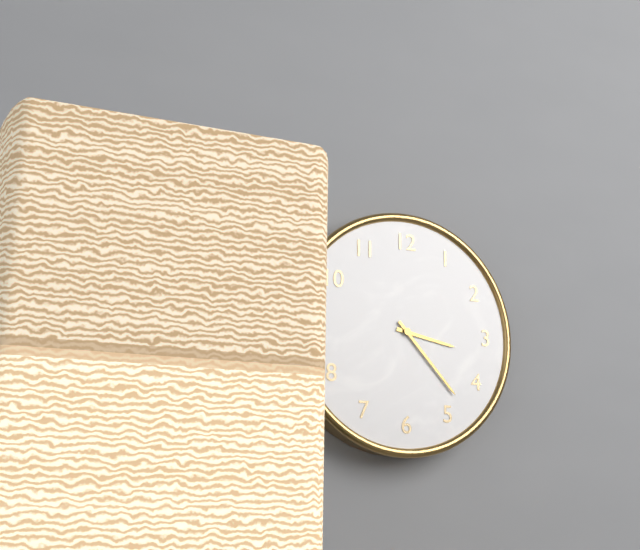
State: 3:23
